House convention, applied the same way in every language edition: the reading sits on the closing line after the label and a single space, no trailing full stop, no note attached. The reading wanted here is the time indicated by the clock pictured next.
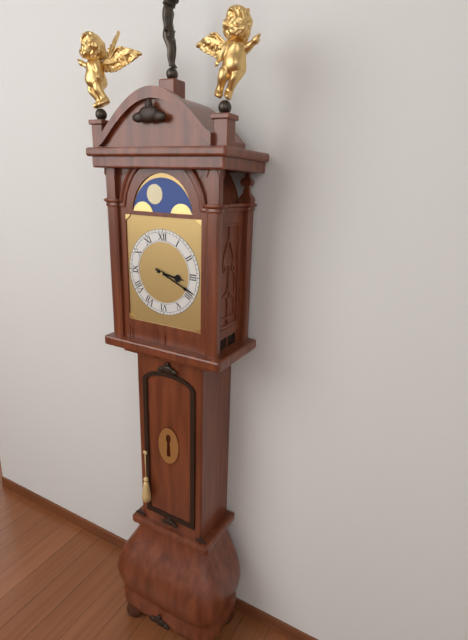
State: 3:19
